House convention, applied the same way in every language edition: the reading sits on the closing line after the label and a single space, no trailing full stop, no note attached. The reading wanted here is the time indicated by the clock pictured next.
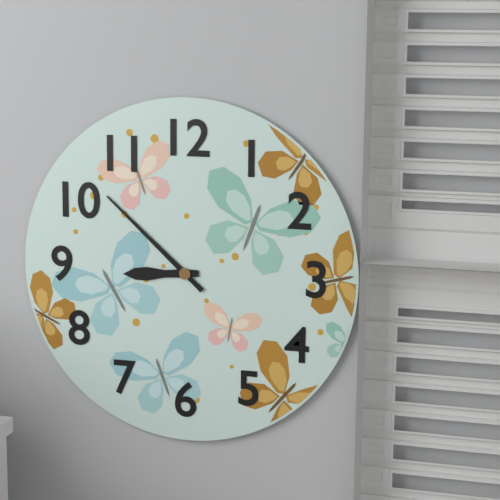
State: 8:52
